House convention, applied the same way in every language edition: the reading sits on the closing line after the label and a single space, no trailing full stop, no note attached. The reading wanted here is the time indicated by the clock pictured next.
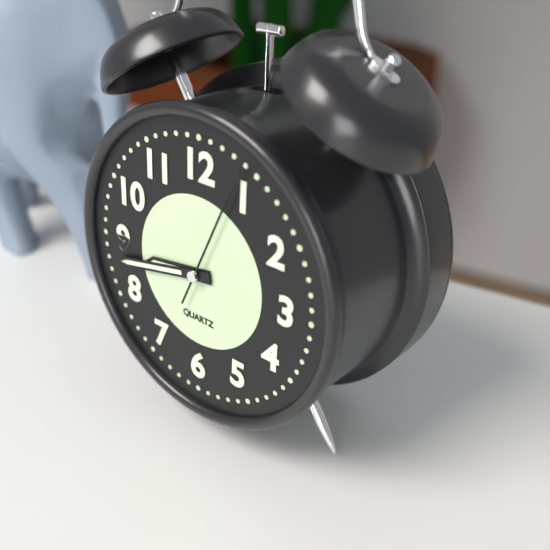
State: 8:43:04
